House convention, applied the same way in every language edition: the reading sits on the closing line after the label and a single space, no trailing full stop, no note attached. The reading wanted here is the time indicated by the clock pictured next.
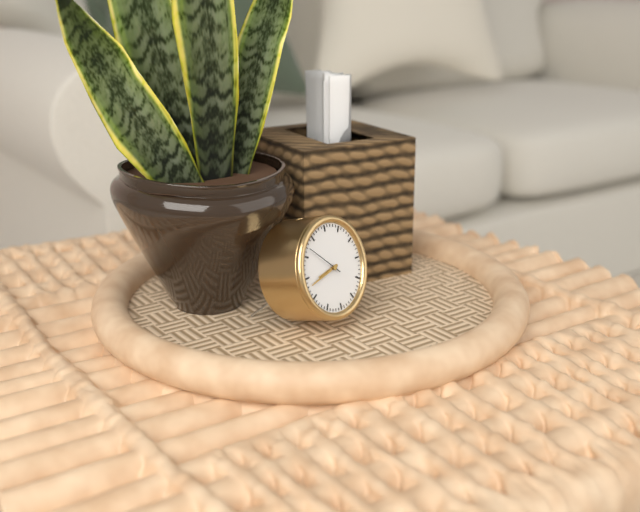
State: 8:43
